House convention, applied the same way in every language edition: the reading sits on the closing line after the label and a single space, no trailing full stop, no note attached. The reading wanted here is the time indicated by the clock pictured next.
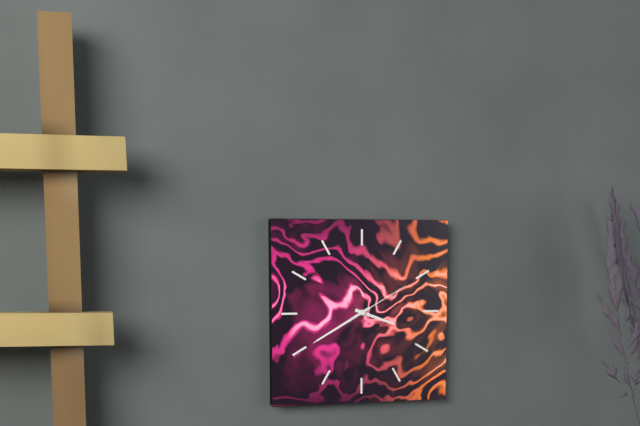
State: 3:40:10
